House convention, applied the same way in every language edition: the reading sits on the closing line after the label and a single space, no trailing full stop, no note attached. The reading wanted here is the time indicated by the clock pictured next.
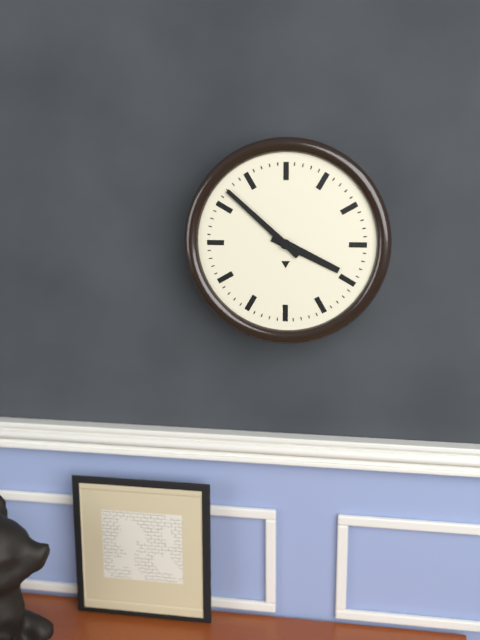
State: 3:52
